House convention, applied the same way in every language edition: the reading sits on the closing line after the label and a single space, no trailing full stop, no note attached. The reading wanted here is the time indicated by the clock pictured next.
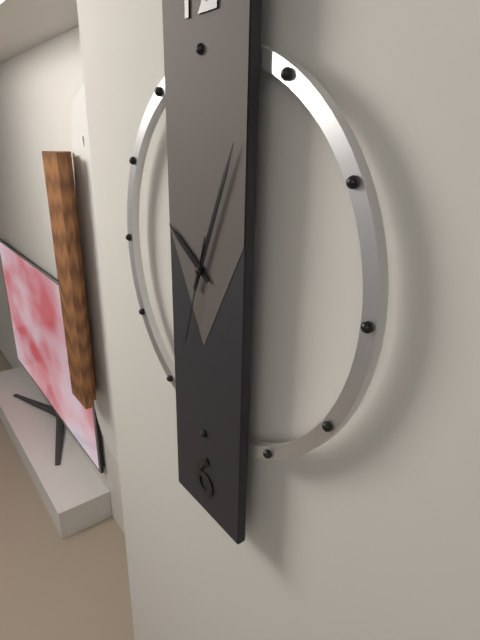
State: 10:04:33
